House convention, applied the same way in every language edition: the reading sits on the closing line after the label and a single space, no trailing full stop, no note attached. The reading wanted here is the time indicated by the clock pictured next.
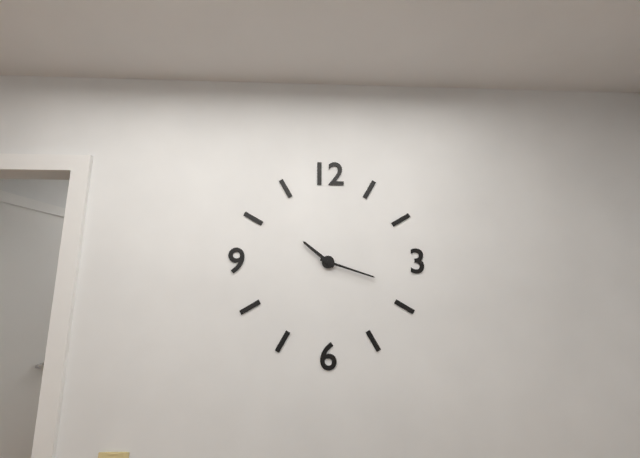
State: 10:18
